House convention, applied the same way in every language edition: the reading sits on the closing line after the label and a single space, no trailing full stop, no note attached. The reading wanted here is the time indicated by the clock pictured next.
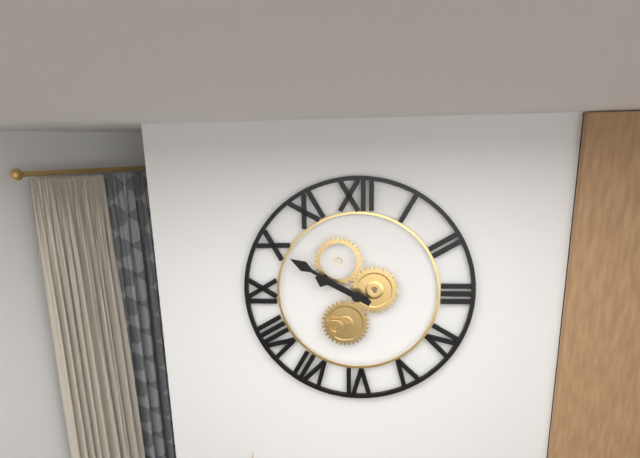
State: 9:50
